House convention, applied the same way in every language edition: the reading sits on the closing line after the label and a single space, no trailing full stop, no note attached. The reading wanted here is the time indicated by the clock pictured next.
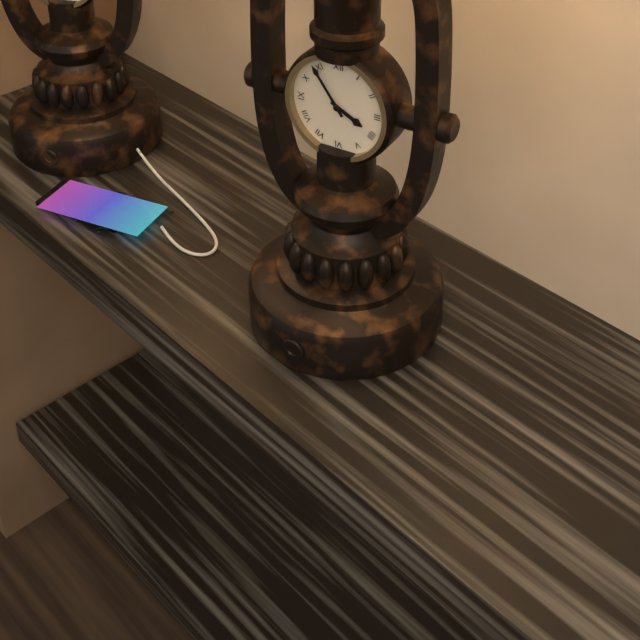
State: 3:54
